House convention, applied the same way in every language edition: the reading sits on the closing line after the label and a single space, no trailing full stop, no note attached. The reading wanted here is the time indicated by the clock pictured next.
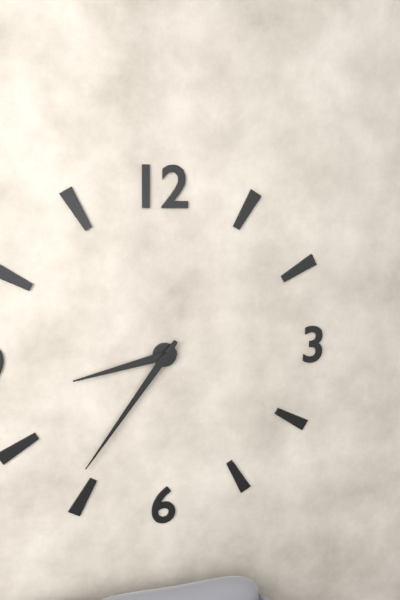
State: 8:36
